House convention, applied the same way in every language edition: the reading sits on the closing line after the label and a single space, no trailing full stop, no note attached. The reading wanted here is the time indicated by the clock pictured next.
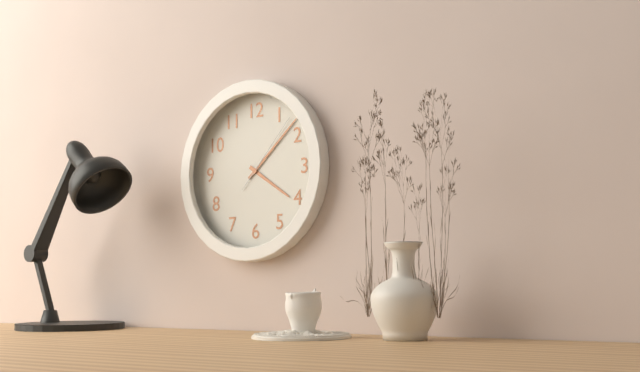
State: 4:08:07
